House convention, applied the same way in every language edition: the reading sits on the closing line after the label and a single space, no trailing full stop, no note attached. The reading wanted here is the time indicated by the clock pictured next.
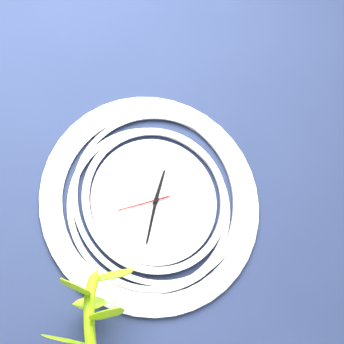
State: 12:32:42
